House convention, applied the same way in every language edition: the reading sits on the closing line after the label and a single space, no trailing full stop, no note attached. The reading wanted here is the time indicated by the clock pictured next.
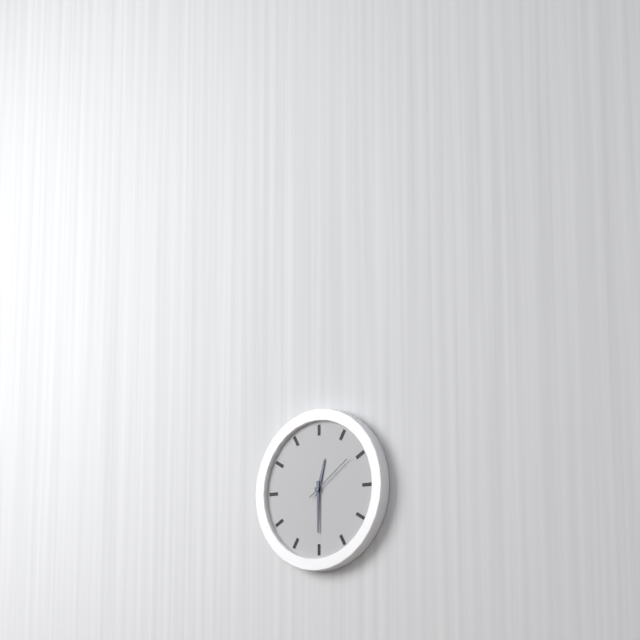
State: 12:30:09
